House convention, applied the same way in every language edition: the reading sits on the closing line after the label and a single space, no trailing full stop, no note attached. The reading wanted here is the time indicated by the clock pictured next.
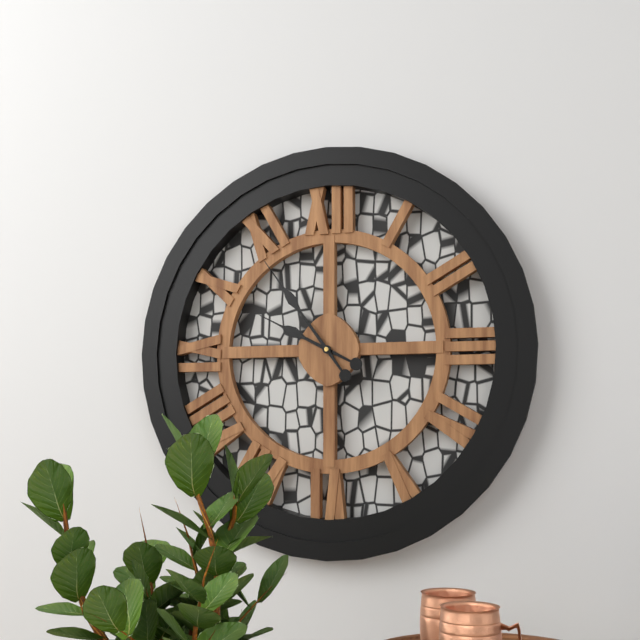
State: 9:54
